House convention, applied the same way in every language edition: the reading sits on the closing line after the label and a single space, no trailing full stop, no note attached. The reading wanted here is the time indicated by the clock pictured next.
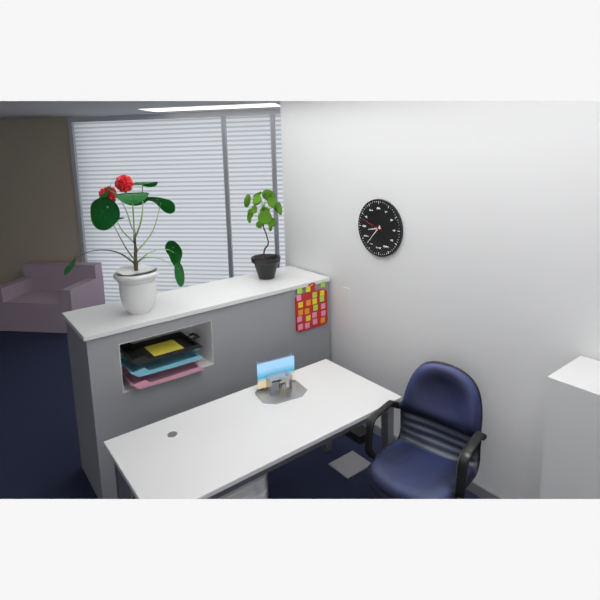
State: 8:37
